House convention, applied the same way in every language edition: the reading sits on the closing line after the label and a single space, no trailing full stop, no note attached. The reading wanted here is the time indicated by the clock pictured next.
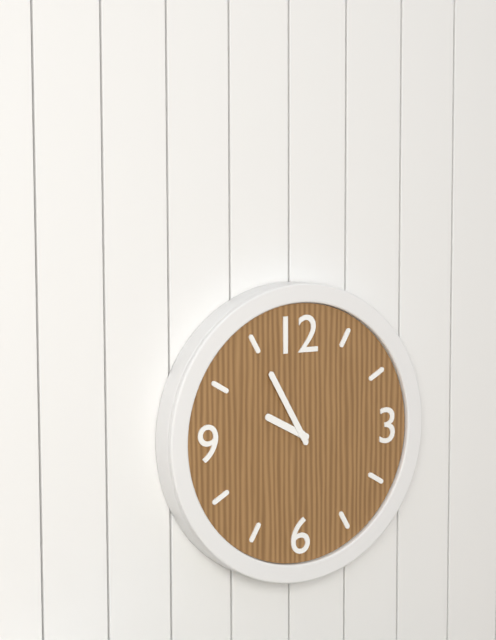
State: 9:55
